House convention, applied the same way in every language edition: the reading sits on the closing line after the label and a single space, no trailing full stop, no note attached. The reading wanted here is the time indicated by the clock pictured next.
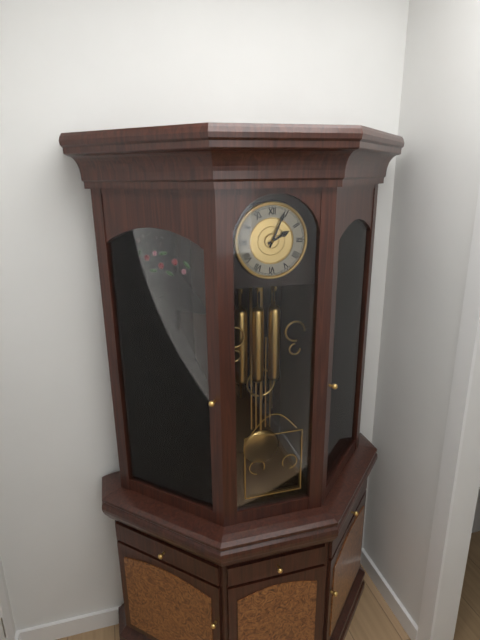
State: 2:04
